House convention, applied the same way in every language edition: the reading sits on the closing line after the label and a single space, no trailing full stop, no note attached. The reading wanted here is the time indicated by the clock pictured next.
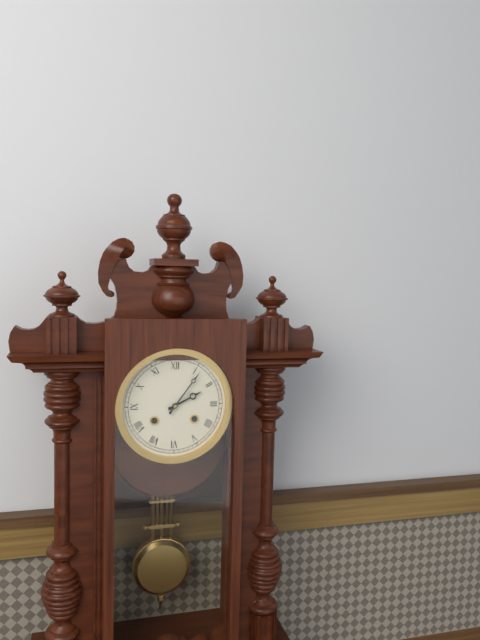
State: 2:06
